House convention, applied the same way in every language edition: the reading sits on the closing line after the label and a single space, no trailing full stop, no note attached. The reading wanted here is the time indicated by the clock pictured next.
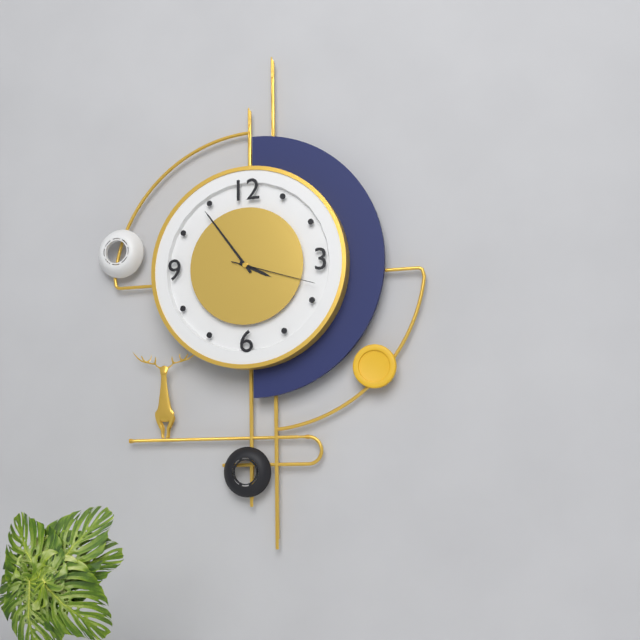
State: 3:54:18
